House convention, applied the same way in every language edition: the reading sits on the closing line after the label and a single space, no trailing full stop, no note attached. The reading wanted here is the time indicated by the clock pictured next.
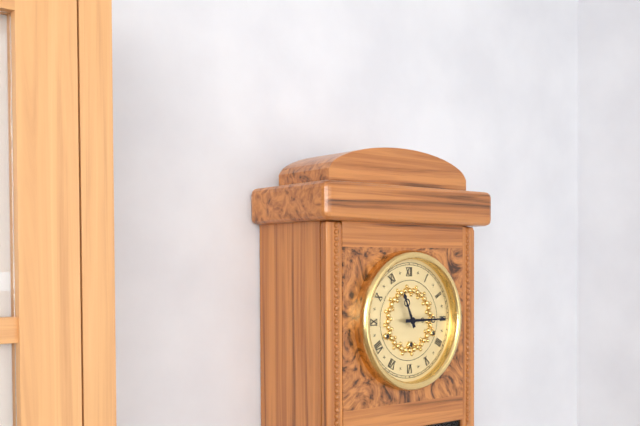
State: 11:15
